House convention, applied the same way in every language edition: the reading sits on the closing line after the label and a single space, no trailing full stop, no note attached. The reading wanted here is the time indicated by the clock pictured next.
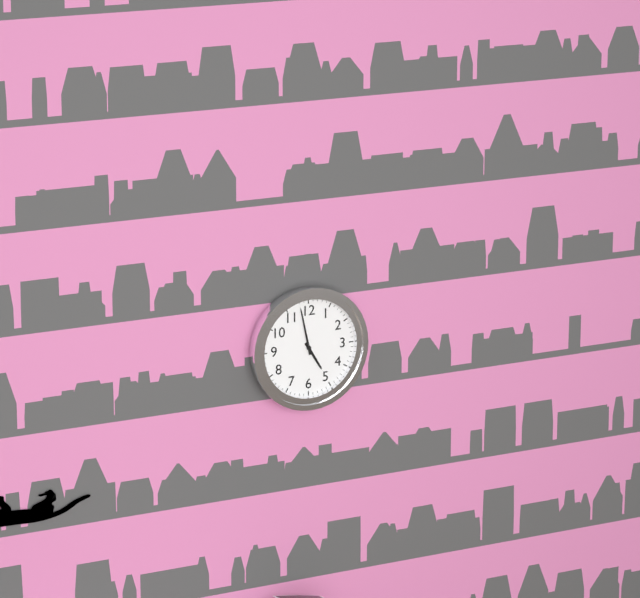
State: 4:58
